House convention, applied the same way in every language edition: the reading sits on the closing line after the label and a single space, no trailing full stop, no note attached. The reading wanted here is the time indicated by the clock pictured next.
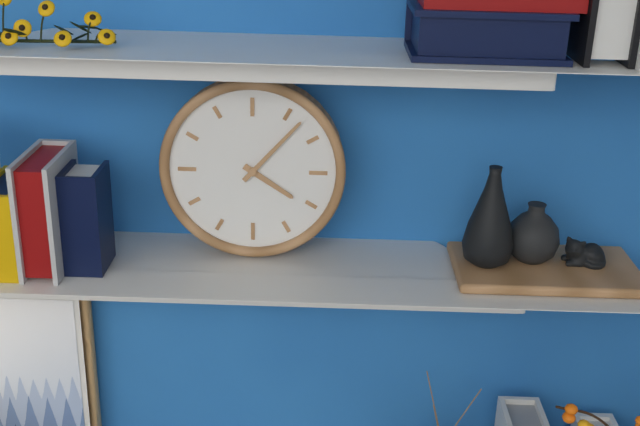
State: 4:07
